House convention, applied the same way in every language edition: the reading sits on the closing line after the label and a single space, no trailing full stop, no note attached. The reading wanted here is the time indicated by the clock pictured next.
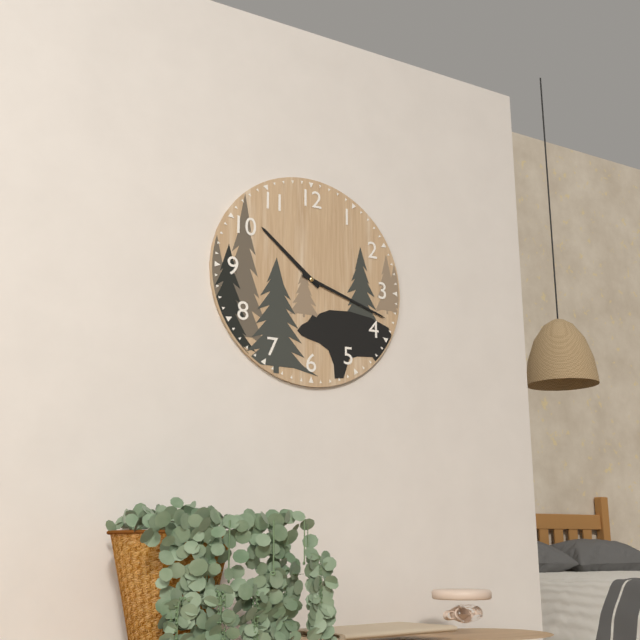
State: 10:18
